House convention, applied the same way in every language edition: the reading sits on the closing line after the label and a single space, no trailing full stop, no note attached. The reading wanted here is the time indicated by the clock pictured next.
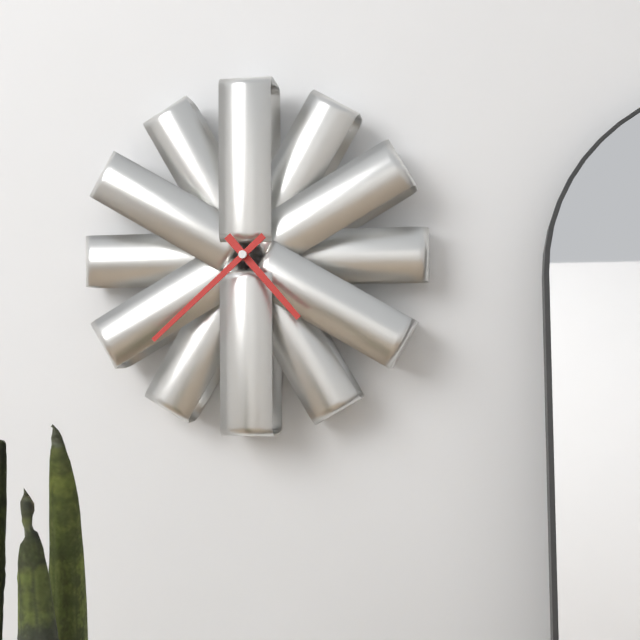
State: 4:38
